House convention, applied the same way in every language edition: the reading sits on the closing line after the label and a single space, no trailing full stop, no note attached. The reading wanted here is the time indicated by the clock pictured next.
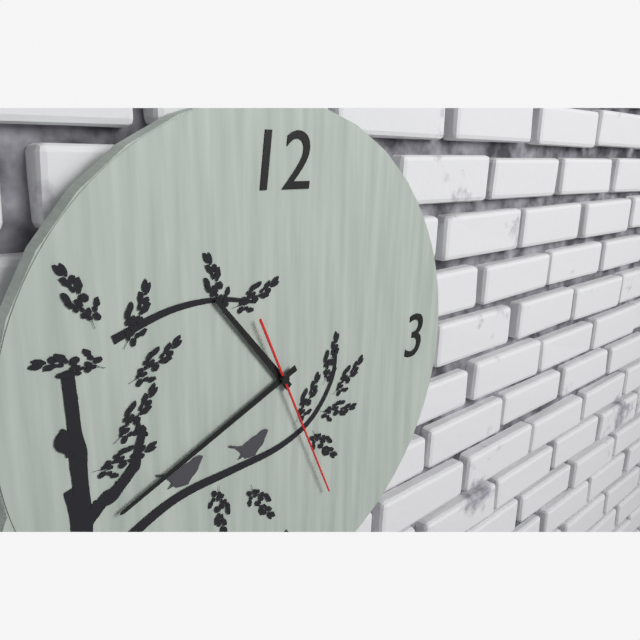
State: 10:41:26
